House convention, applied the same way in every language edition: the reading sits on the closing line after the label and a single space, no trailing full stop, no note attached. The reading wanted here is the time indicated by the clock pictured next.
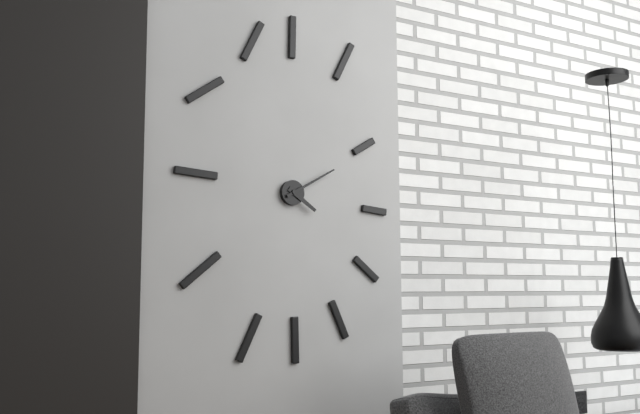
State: 4:10
